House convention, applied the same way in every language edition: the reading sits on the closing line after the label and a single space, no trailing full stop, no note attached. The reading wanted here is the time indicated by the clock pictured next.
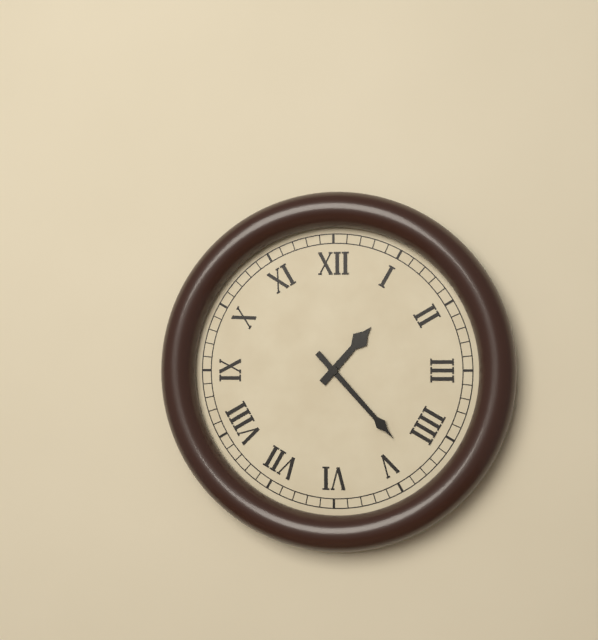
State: 1:23
